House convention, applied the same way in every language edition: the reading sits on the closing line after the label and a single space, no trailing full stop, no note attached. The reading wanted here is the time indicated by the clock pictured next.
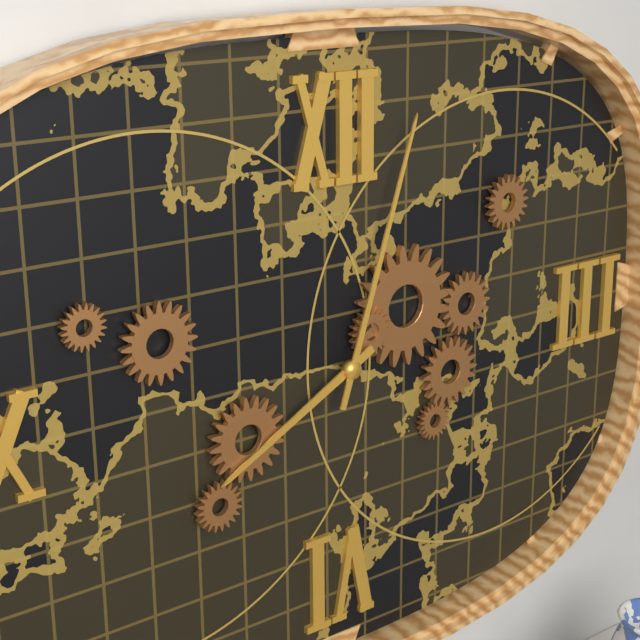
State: 8:03
